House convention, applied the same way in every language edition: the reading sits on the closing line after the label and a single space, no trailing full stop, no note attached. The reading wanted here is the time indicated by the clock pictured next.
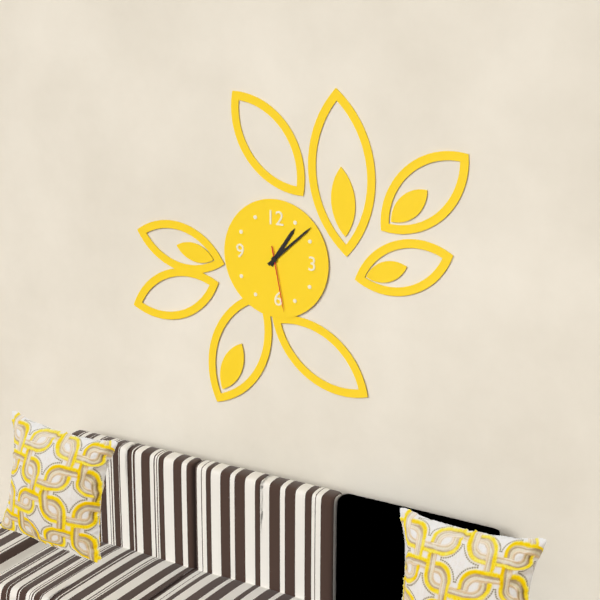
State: 1:08:28
